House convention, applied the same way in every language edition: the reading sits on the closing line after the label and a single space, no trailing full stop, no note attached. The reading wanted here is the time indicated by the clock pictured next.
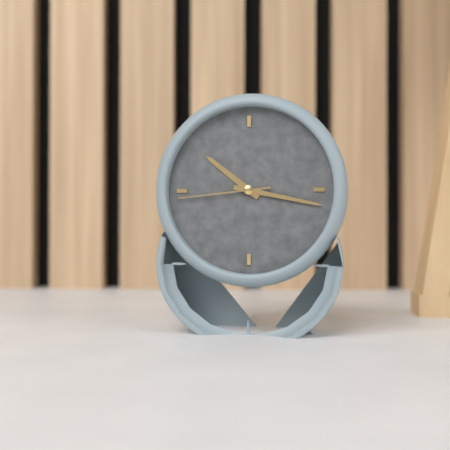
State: 10:17:44
